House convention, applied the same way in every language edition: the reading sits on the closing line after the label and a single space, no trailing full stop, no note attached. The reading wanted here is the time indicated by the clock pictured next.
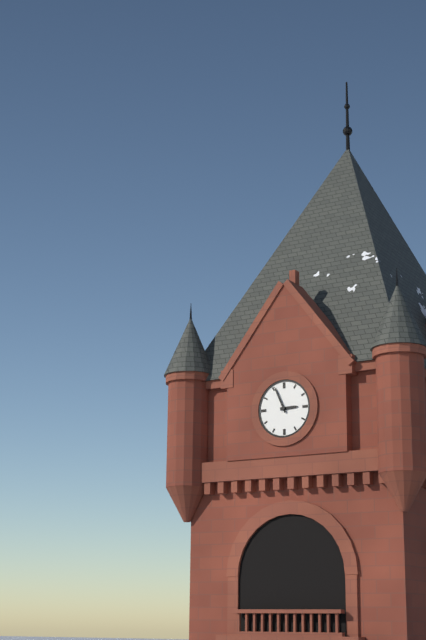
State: 2:56
